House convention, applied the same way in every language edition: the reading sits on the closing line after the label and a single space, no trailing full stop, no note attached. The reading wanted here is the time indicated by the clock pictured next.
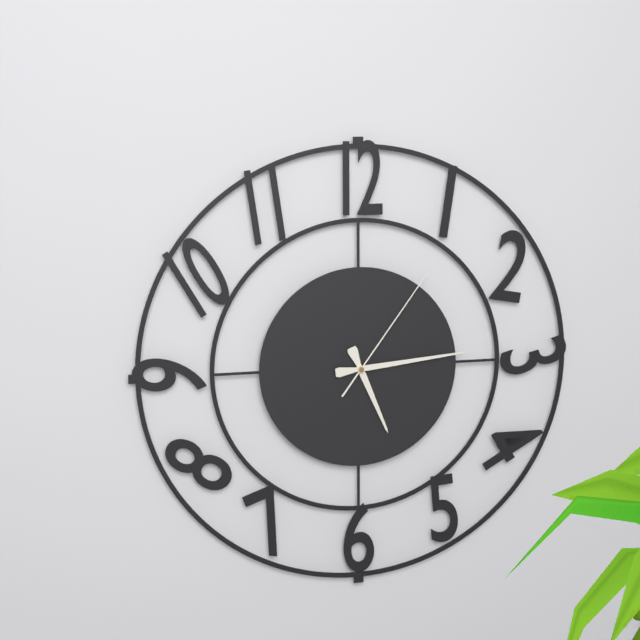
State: 5:14:06
